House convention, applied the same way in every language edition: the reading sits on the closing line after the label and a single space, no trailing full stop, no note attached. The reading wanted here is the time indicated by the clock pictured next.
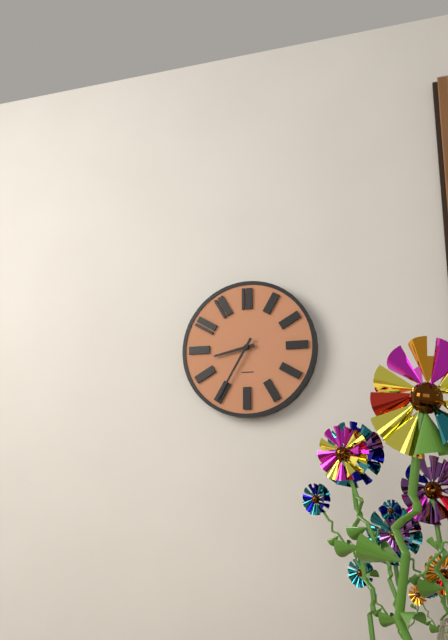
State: 8:35
